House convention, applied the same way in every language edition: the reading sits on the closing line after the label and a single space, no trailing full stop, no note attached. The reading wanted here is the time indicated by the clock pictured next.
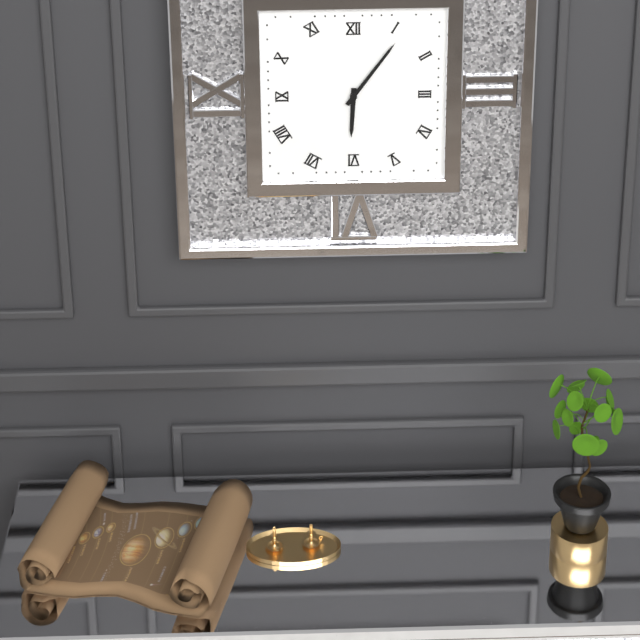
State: 6:06
